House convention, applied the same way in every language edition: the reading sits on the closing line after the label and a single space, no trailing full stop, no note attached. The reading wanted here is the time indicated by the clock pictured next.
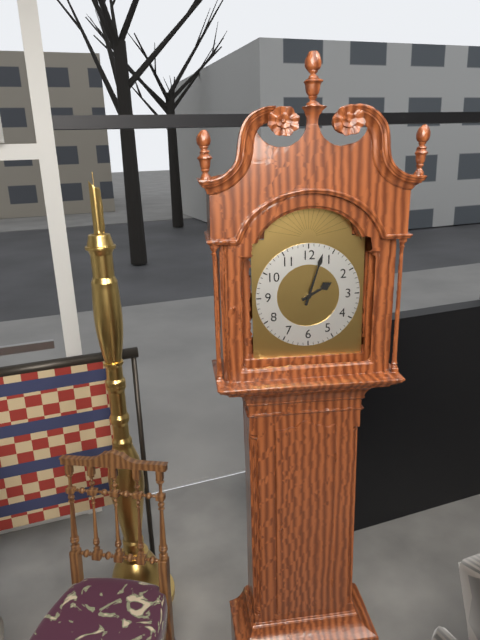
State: 2:03
